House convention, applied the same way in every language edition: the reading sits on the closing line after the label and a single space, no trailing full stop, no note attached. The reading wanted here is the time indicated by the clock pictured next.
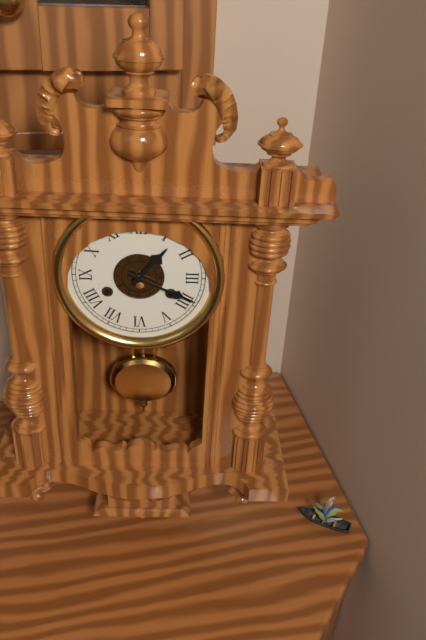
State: 1:19
